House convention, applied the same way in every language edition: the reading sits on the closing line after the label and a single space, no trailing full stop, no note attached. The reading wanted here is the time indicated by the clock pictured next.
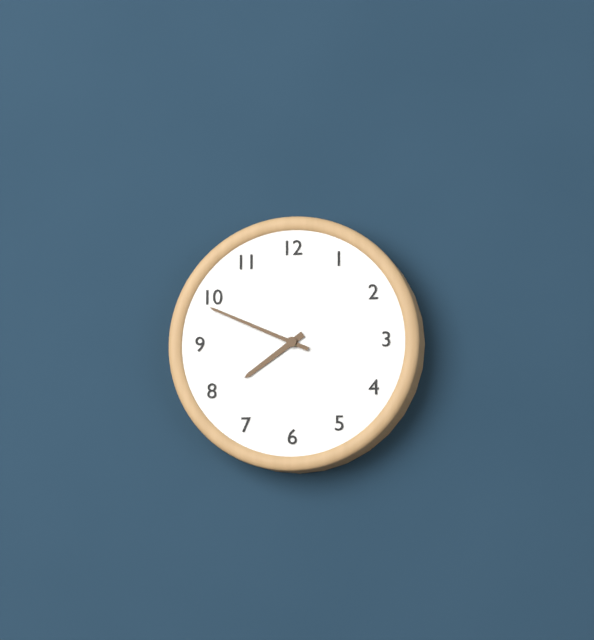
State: 7:49
